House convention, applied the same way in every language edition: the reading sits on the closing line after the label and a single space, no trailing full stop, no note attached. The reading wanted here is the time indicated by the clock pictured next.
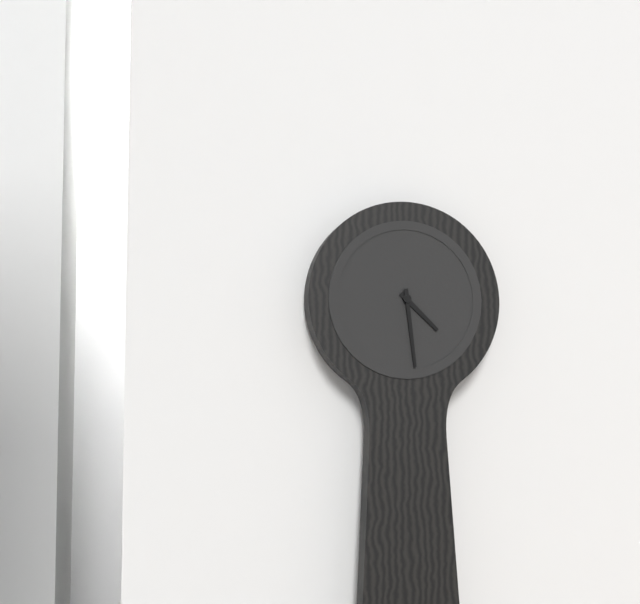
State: 4:29
